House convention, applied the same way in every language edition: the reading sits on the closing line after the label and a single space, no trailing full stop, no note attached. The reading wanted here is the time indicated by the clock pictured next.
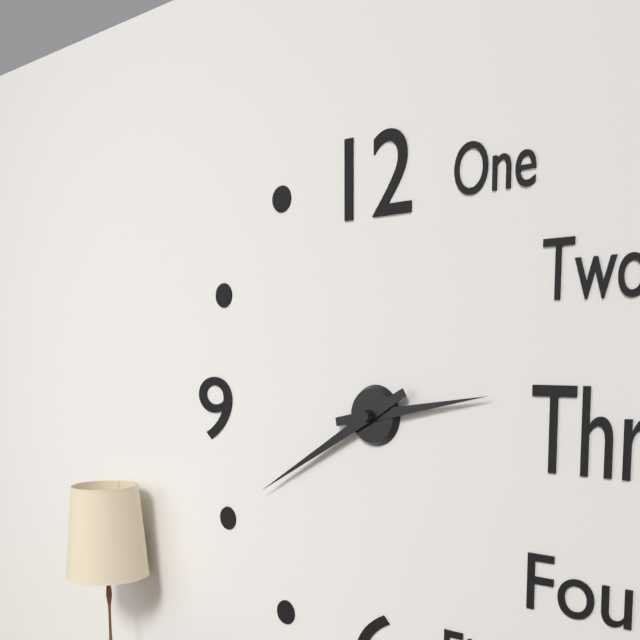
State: 2:40
